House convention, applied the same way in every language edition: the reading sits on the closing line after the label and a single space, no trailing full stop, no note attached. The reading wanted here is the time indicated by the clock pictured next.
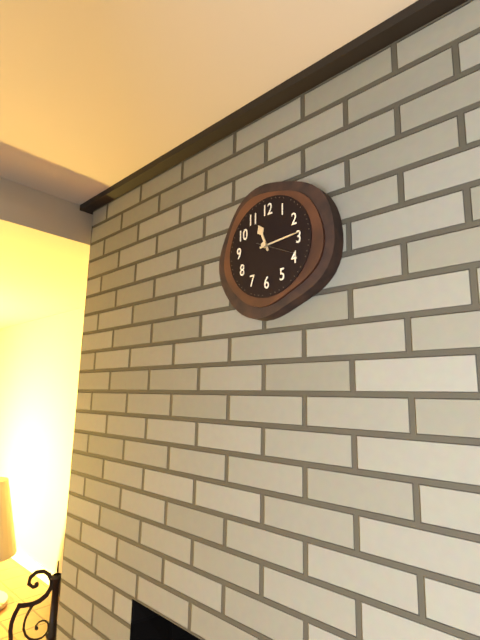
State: 11:14
